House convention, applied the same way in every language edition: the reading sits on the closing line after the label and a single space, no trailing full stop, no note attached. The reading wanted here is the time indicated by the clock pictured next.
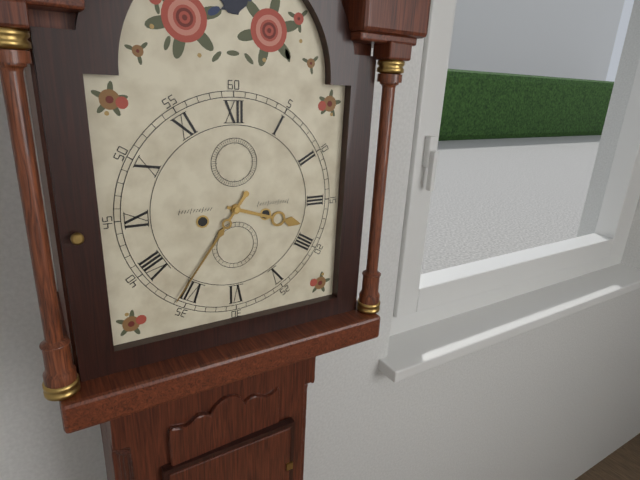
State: 3:36
